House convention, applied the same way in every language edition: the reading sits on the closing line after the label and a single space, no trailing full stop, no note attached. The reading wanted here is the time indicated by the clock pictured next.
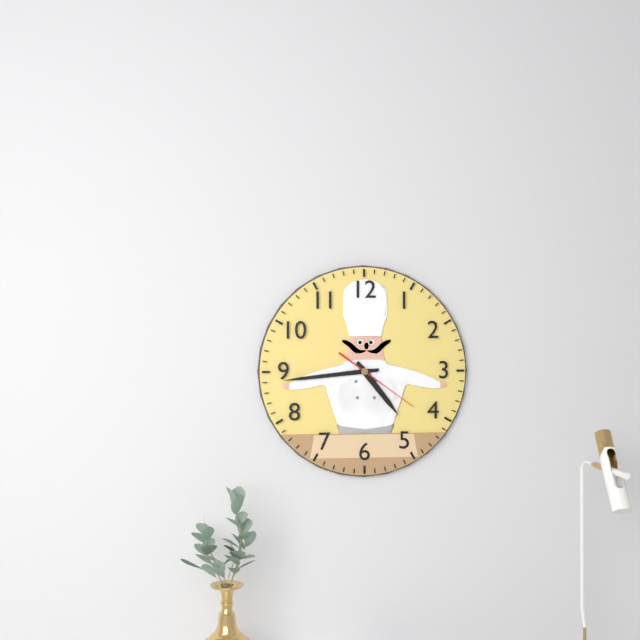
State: 4:44:21
